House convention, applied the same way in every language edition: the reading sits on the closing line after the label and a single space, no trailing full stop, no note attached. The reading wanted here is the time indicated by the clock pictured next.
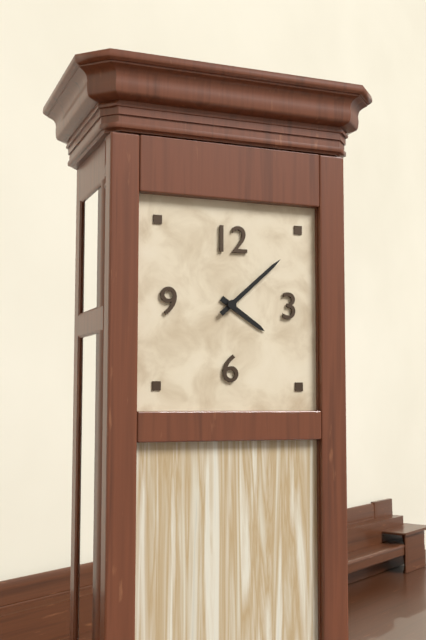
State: 4:08
